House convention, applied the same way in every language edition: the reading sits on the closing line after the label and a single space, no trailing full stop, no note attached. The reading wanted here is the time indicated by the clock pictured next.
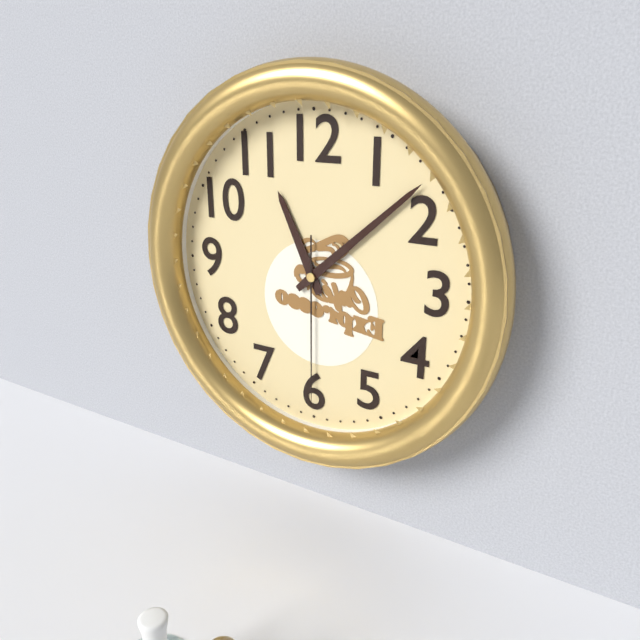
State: 11:08:30
